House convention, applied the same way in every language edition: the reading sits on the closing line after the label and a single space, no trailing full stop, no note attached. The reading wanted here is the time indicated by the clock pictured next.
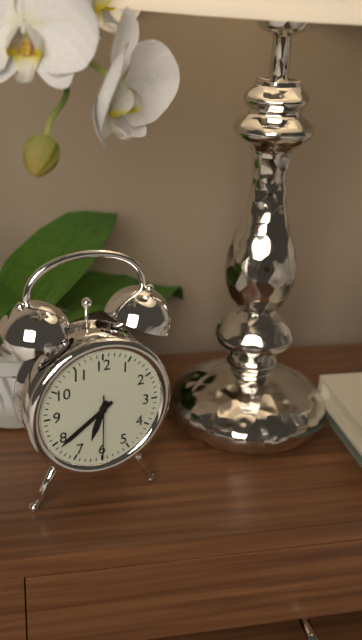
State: 6:39:30
